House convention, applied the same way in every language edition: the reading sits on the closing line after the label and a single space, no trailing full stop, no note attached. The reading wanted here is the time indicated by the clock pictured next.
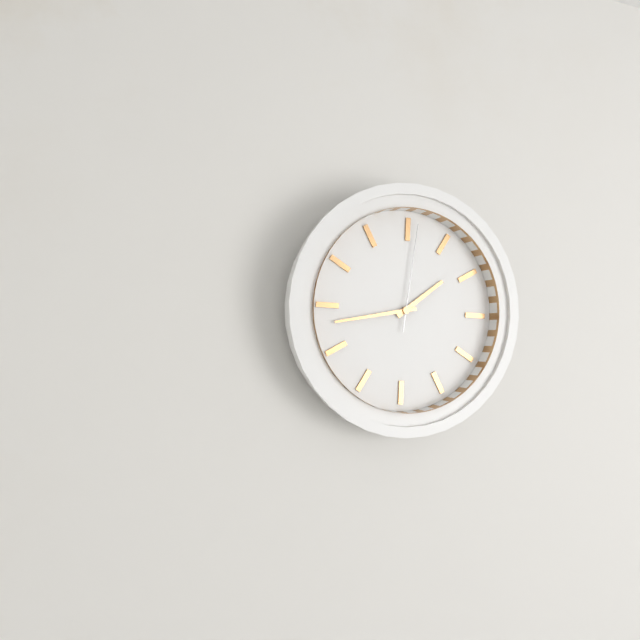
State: 1:43:01
